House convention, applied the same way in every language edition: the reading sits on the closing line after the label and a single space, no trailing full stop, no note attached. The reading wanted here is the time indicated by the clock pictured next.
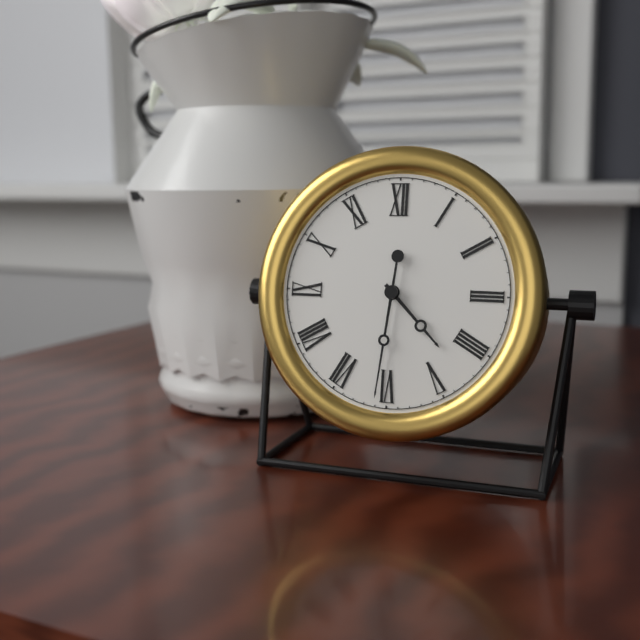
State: 4:31
